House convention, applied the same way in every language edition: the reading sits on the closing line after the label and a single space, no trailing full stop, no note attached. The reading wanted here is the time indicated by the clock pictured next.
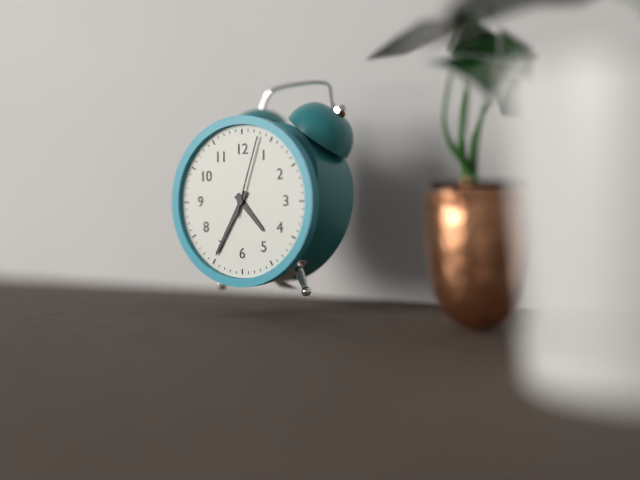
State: 4:35:03
